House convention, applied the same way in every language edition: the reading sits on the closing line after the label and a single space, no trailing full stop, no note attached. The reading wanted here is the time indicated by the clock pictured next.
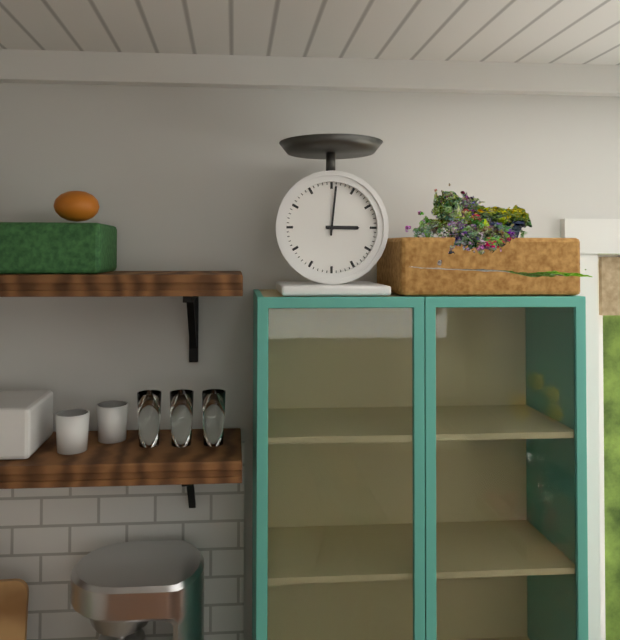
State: 3:01
